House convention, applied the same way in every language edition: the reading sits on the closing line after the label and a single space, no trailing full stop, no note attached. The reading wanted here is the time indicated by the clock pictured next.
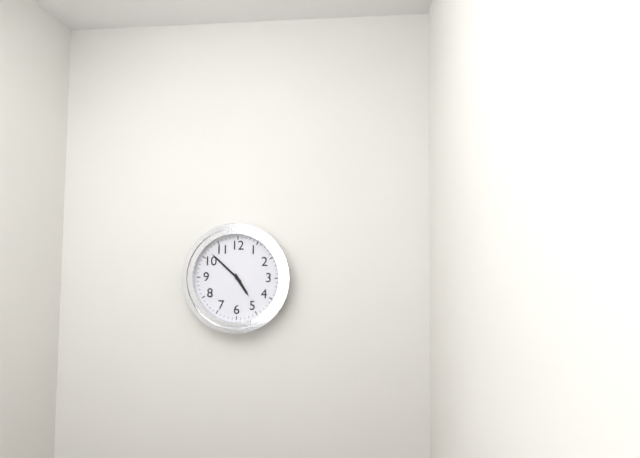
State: 4:52
